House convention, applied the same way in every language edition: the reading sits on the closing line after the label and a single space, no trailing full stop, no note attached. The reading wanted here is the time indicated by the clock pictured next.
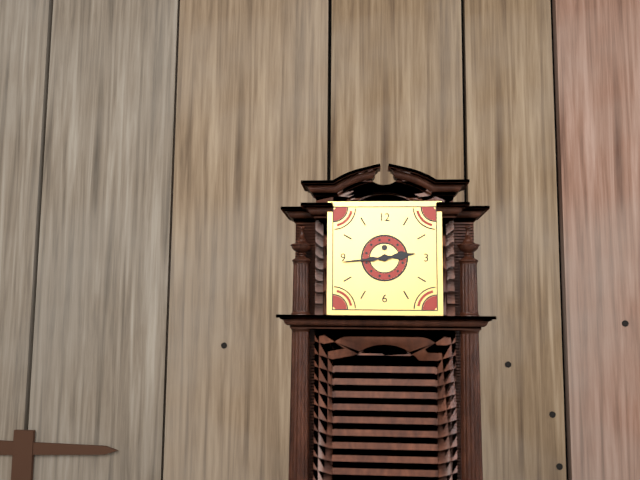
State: 2:44
